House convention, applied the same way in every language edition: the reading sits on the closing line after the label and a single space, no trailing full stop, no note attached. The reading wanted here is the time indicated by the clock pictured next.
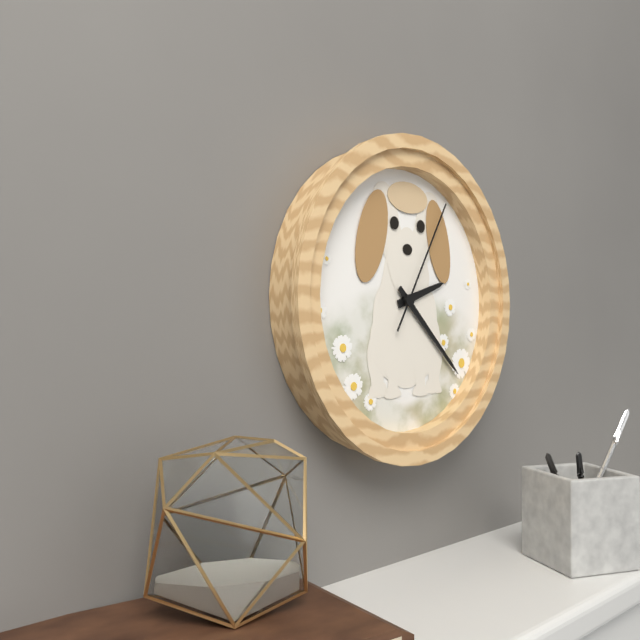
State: 2:22:05
